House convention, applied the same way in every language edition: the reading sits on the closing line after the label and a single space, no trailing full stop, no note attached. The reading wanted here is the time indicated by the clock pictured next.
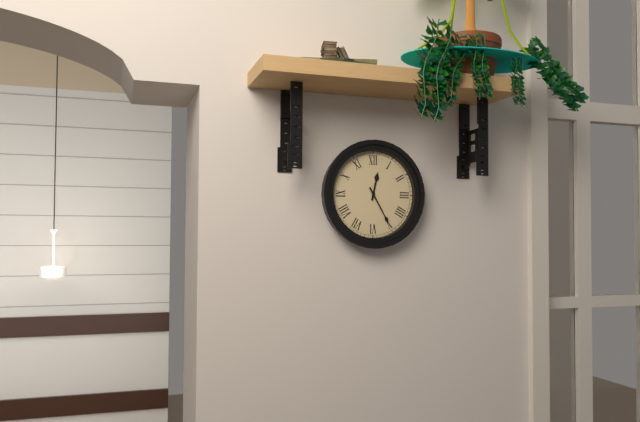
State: 12:25
